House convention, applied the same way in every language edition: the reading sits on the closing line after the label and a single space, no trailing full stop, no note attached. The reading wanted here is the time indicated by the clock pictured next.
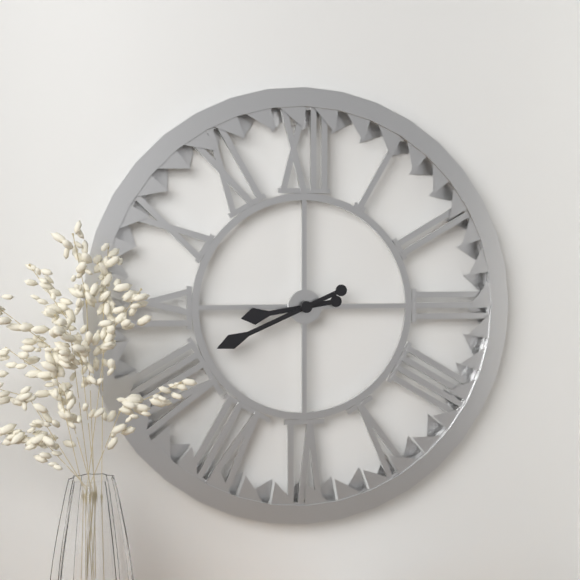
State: 8:41
